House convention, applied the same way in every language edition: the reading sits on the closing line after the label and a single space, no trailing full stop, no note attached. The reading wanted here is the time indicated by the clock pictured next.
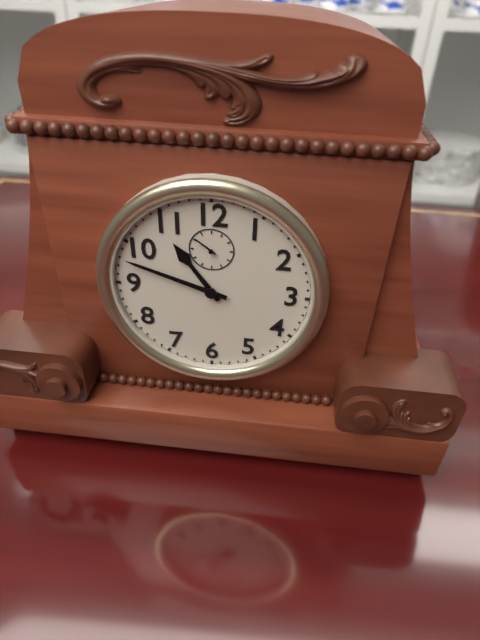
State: 10:48
